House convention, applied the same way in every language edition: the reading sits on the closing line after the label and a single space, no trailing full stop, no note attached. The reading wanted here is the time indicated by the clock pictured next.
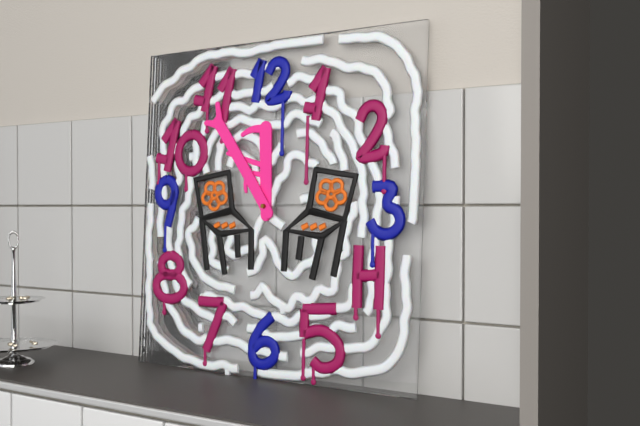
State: 11:54
